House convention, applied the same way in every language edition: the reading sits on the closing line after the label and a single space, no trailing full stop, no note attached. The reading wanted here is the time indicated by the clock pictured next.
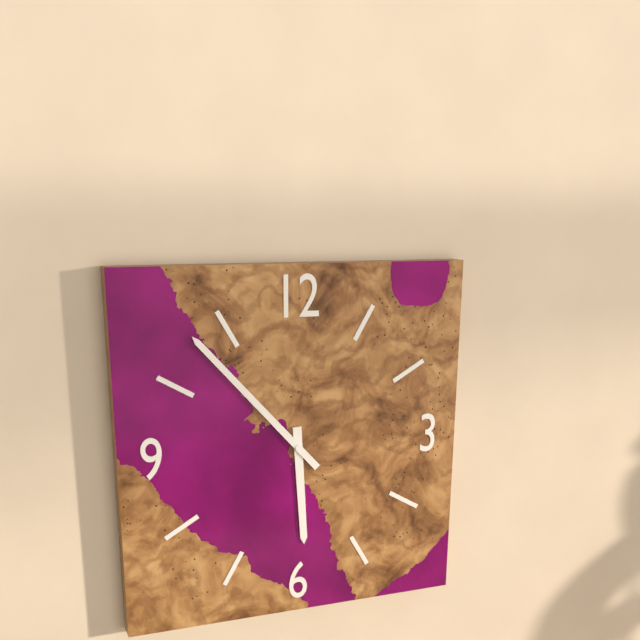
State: 5:53
